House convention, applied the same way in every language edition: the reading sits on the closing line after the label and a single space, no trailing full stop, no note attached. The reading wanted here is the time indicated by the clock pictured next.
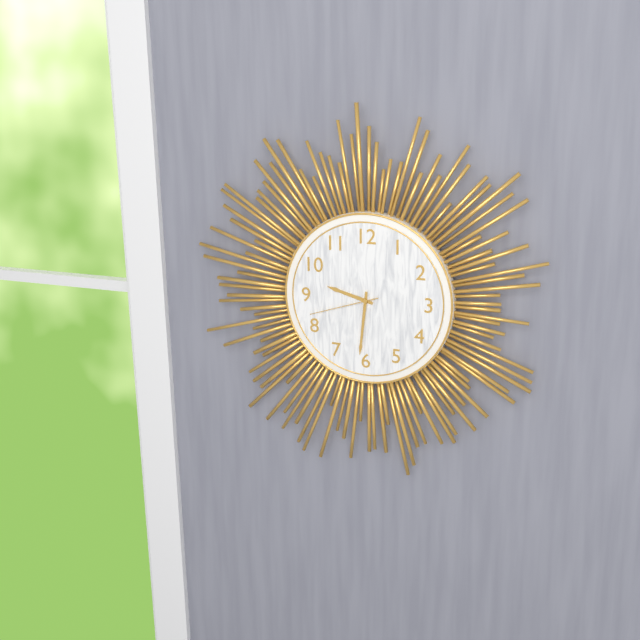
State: 9:31:42
